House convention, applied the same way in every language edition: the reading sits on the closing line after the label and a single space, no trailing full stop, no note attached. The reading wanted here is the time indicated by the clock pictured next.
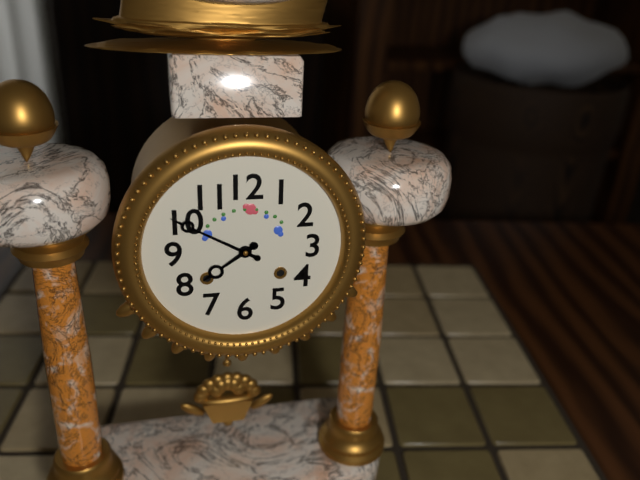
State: 7:50
